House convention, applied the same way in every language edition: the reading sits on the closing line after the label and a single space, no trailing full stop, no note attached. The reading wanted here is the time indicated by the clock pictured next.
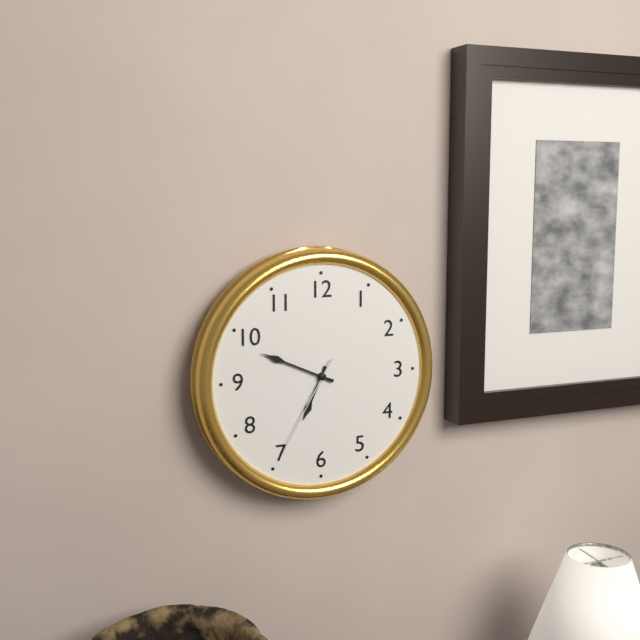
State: 6:49:35
